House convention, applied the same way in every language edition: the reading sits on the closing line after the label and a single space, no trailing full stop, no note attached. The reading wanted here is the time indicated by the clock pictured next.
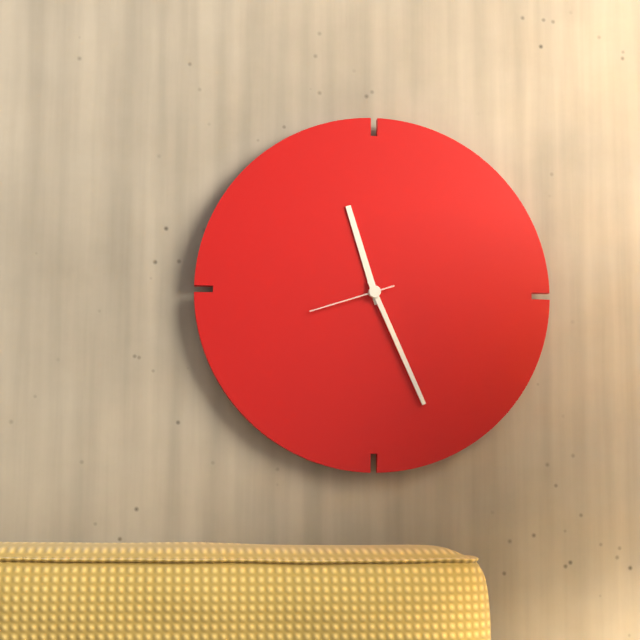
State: 11:26:42
